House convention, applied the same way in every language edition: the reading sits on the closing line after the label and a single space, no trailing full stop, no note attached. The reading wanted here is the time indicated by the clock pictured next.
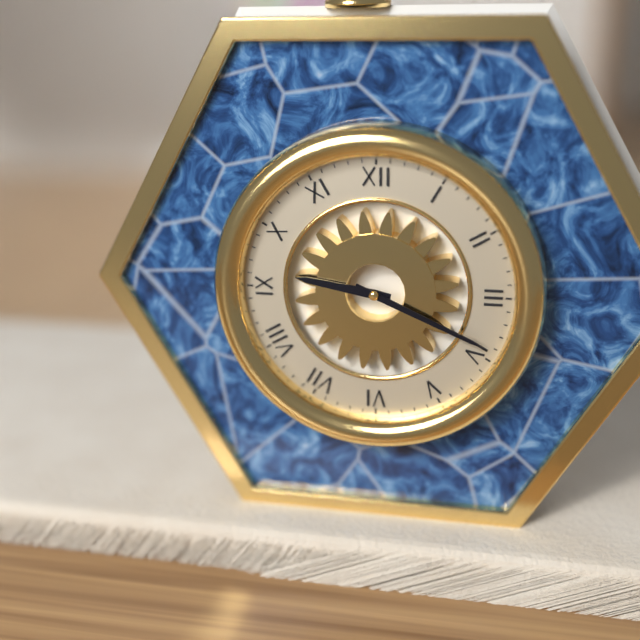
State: 9:19
